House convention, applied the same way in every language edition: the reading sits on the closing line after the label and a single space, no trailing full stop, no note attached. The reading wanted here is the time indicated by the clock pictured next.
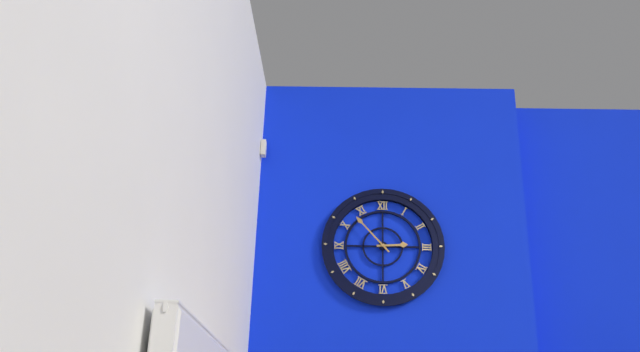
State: 2:53
